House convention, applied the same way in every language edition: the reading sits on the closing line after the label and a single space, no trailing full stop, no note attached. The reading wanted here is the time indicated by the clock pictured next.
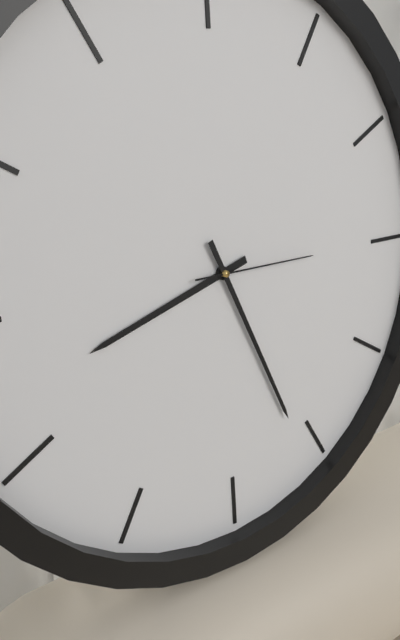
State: 8:26:15
